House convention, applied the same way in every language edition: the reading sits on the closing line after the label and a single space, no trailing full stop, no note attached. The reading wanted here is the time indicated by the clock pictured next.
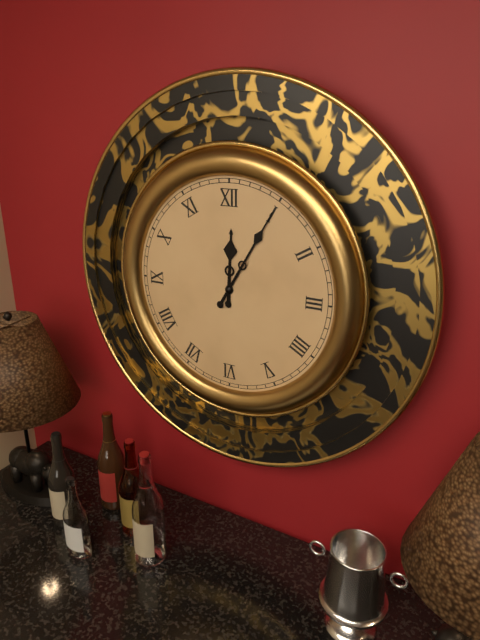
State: 12:05
